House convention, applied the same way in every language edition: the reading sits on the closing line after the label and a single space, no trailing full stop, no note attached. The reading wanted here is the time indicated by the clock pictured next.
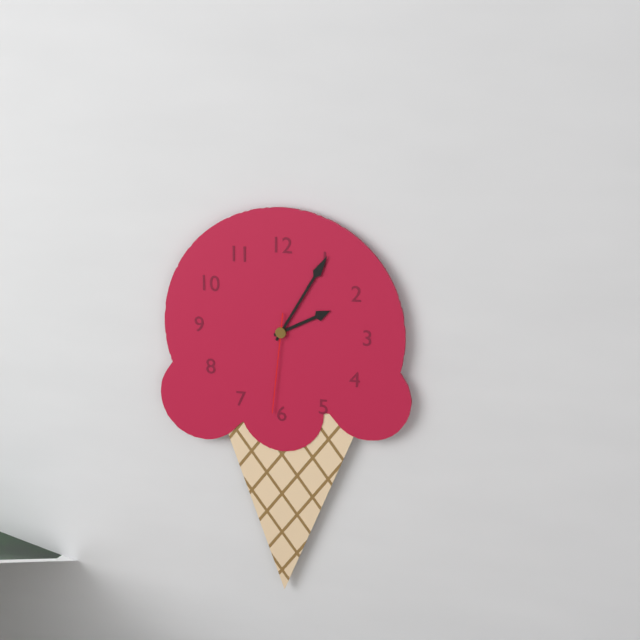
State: 2:05:31
